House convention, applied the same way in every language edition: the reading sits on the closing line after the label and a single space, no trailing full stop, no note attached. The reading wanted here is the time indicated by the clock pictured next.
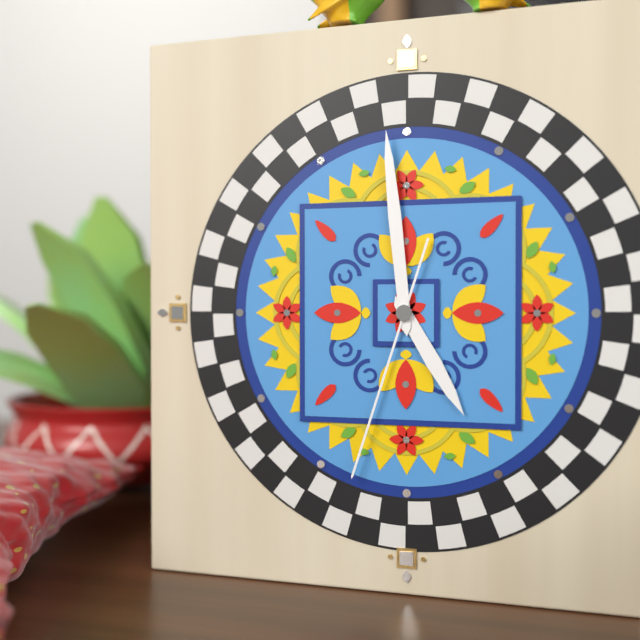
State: 4:59:33
